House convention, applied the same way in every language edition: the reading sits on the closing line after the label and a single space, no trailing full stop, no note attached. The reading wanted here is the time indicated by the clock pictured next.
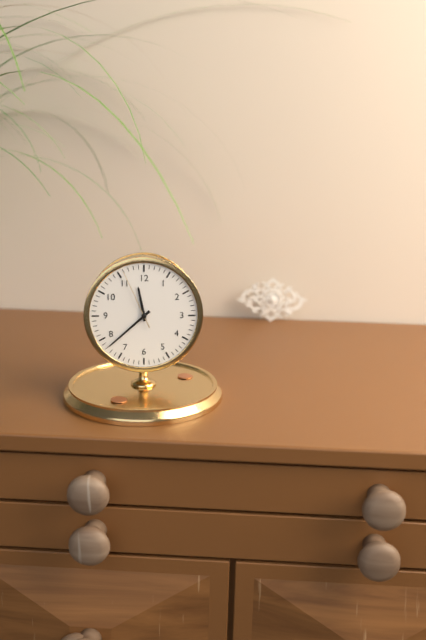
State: 11:38:56
